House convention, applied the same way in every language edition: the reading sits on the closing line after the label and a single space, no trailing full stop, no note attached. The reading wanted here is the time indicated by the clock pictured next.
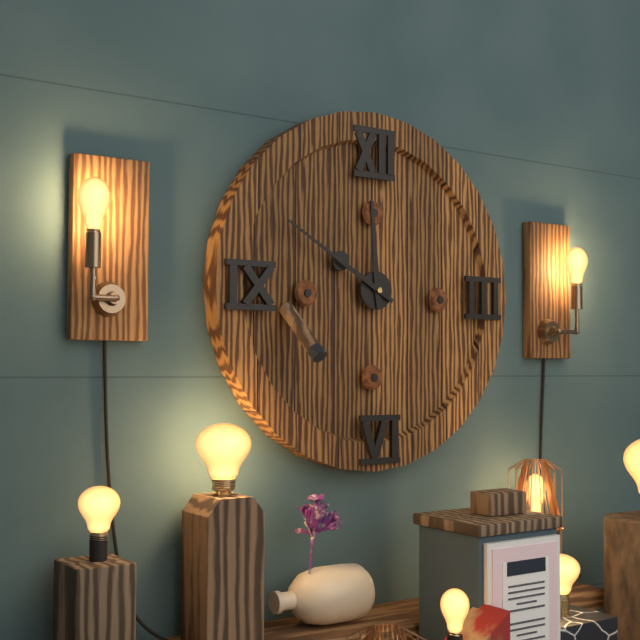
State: 11:50
